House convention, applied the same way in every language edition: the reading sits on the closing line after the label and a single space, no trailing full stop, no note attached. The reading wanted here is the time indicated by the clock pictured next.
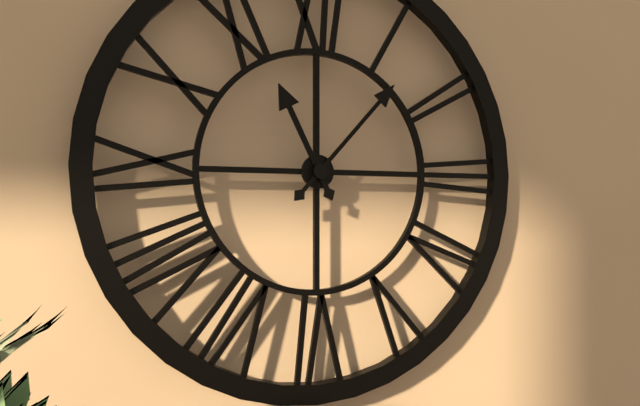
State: 11:07
